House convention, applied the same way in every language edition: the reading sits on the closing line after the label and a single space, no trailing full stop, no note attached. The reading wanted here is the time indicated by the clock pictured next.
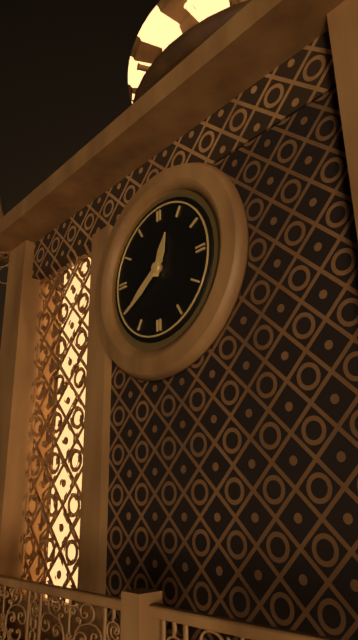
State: 12:39
